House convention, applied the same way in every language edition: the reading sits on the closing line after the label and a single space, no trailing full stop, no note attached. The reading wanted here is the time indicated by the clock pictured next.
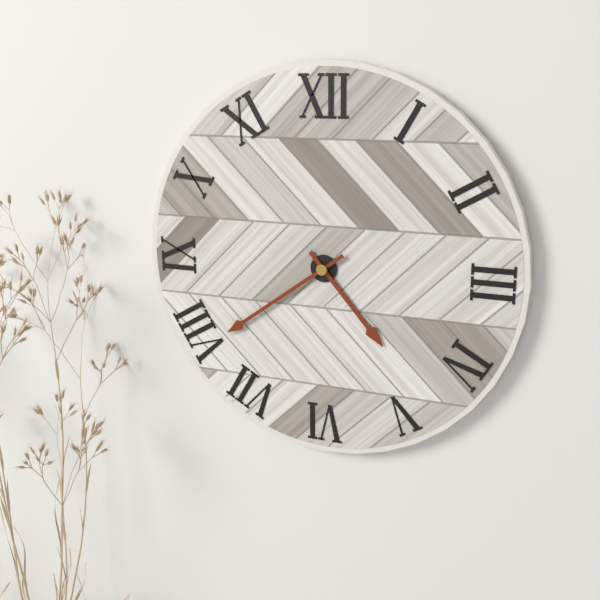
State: 4:39
